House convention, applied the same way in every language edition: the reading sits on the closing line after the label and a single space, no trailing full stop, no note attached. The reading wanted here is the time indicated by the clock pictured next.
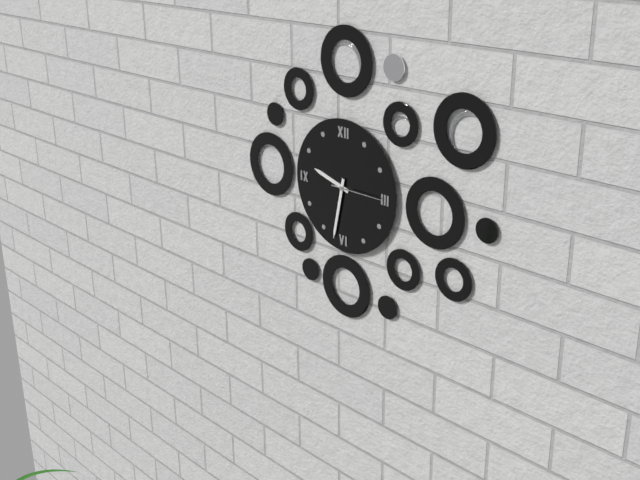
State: 9:32
